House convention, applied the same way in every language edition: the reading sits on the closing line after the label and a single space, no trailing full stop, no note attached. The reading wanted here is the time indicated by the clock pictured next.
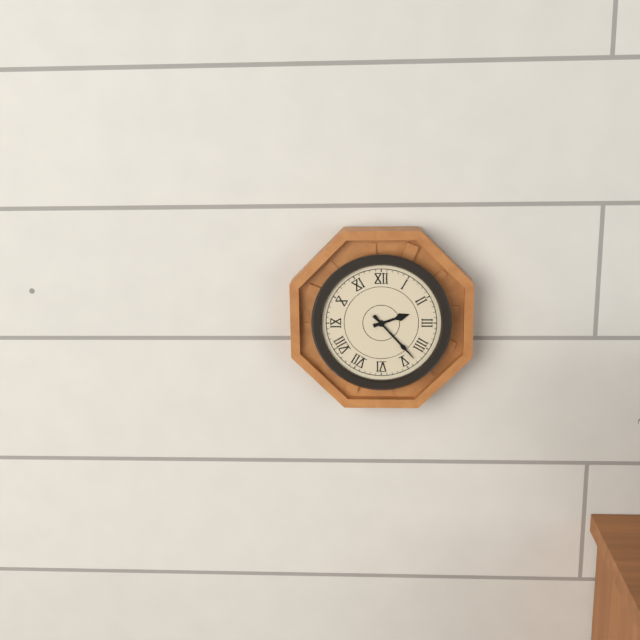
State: 2:23
